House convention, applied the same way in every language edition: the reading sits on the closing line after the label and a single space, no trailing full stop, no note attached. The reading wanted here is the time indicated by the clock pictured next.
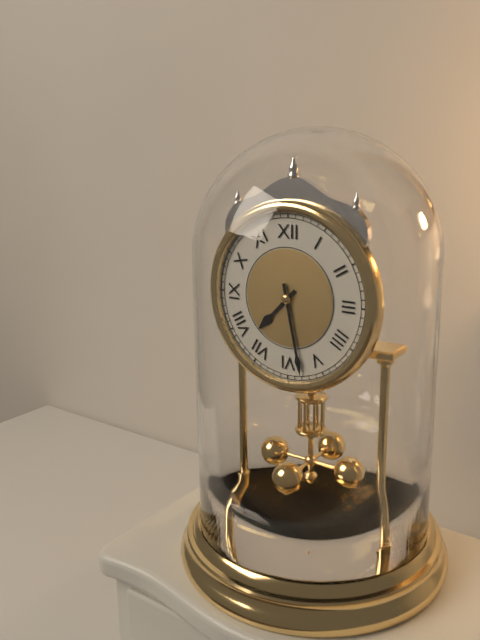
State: 7:28
